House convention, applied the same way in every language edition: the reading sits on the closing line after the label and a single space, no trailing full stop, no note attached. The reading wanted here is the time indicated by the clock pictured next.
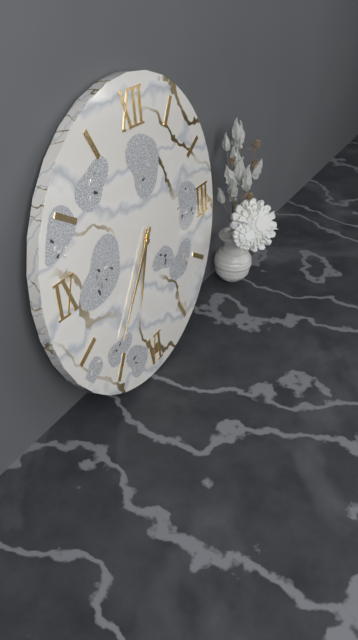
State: 6:36
